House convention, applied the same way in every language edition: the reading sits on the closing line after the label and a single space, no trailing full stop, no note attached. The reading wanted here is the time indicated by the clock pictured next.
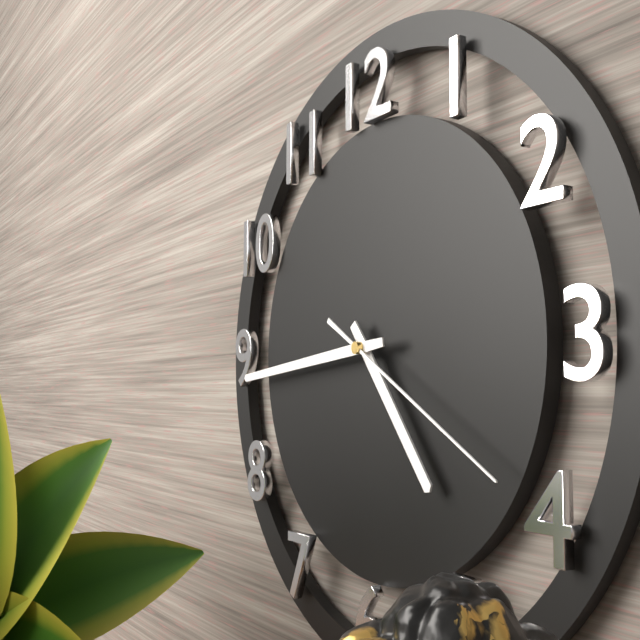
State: 4:44:20
